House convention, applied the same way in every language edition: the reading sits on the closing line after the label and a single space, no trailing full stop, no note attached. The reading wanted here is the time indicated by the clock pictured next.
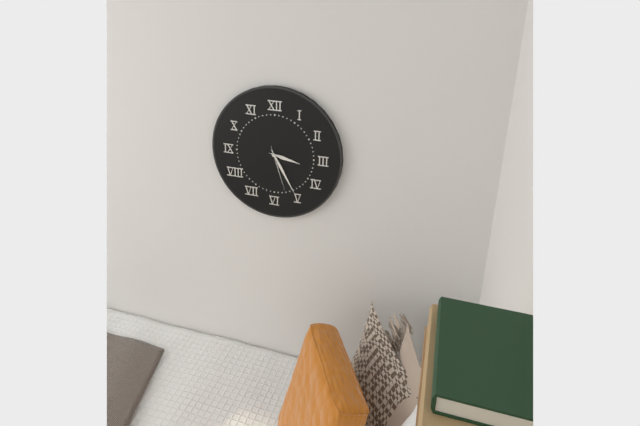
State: 3:25:27
